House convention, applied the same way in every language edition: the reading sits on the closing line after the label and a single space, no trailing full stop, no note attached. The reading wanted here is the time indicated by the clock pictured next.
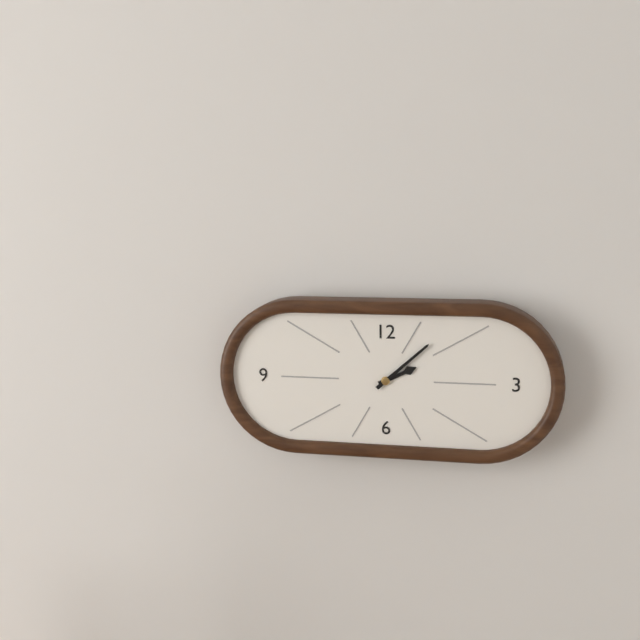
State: 2:08
